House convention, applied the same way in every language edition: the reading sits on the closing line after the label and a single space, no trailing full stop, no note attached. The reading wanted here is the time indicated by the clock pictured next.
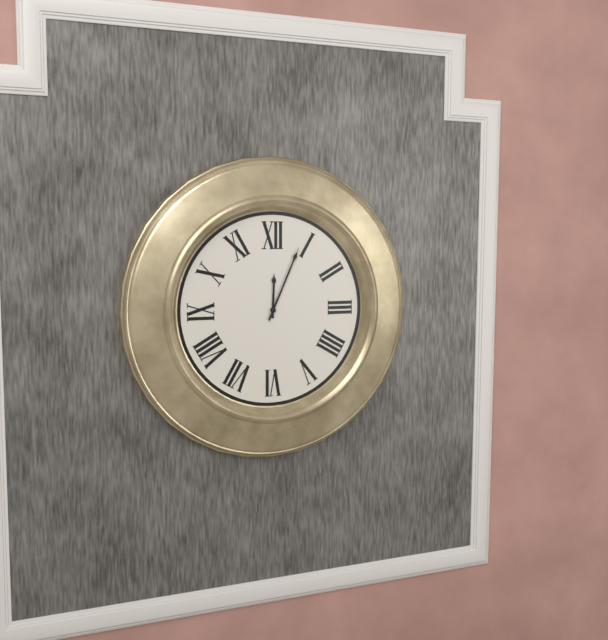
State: 12:04
